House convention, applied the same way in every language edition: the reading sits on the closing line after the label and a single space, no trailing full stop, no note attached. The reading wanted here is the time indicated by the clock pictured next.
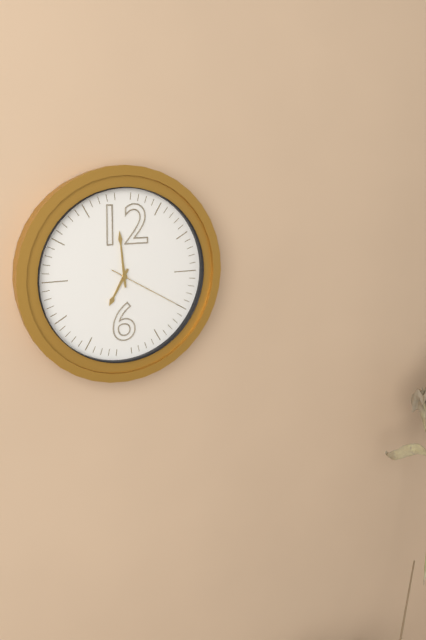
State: 6:59:20
